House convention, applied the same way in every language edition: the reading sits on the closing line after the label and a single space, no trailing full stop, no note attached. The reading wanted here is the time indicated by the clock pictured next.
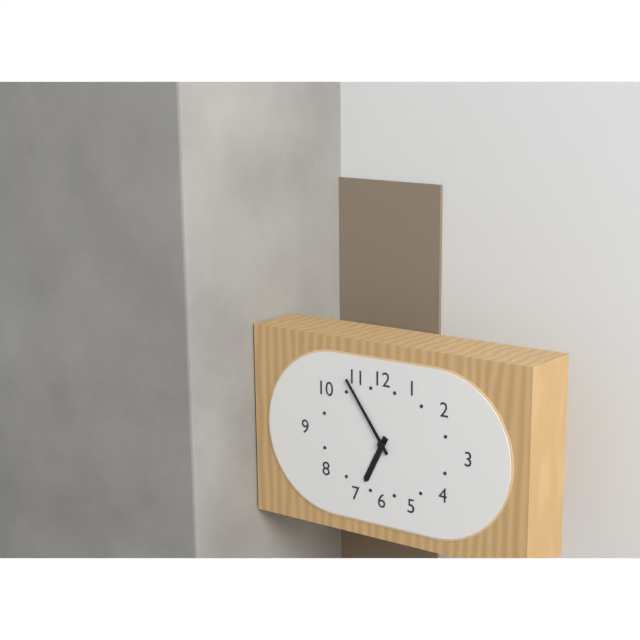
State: 6:54
